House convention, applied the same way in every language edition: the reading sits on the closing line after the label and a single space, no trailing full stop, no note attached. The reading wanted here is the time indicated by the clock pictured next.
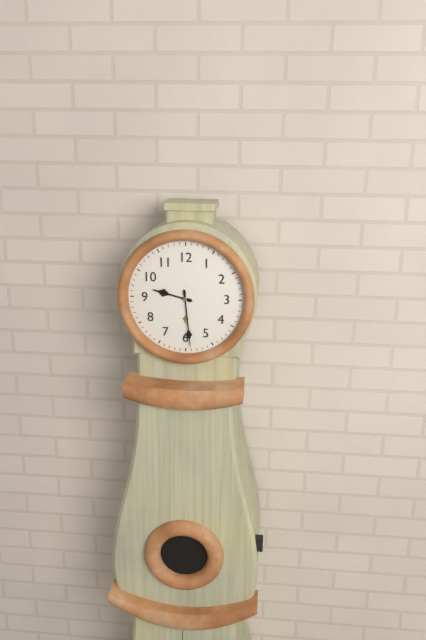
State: 9:29
